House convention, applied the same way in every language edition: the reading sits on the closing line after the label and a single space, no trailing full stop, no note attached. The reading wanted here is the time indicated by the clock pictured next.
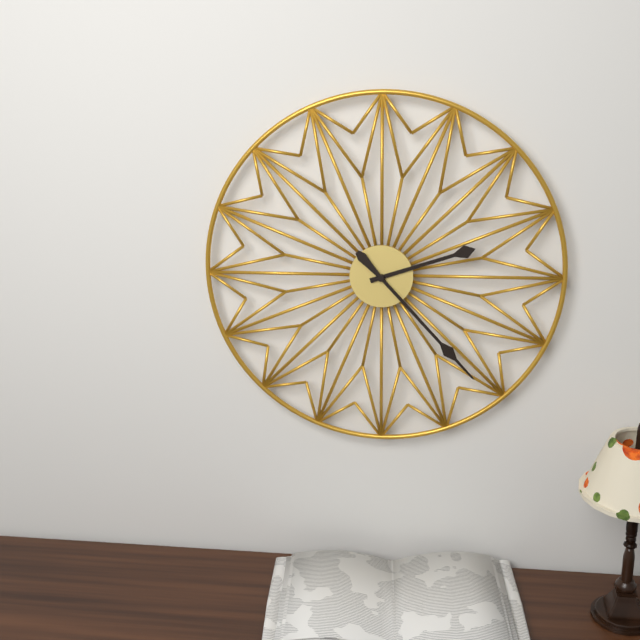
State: 2:23
